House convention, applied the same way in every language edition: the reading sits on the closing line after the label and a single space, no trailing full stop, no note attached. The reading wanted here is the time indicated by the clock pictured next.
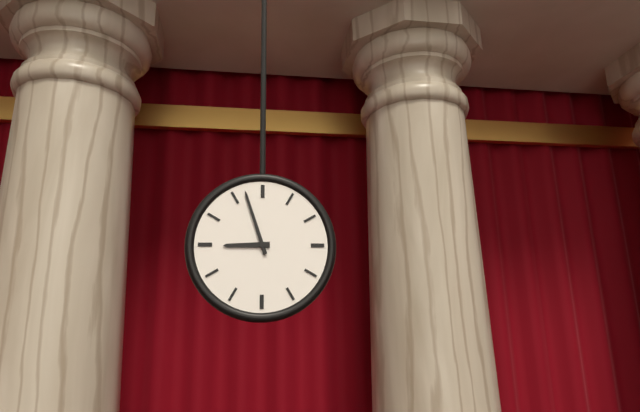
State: 8:57
